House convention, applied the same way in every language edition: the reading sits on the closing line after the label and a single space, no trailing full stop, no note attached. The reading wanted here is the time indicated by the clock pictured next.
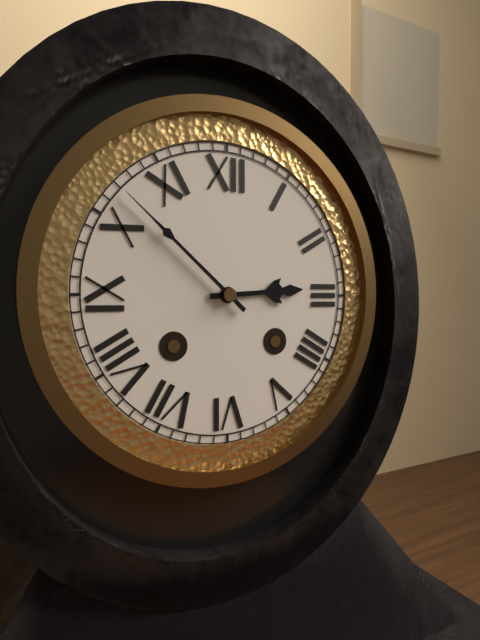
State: 2:52
